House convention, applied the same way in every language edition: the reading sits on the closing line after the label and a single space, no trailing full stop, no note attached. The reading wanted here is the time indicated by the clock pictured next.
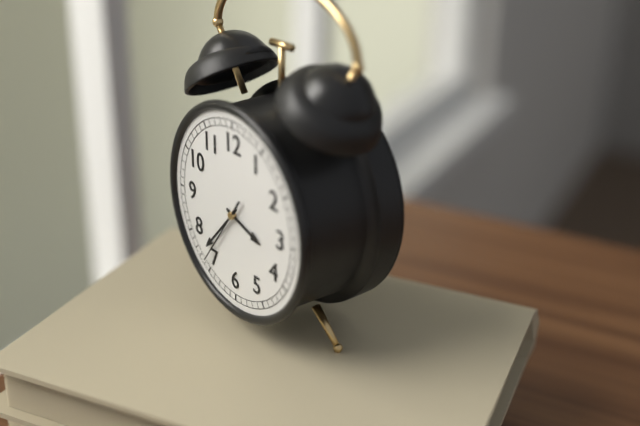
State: 3:37:36
